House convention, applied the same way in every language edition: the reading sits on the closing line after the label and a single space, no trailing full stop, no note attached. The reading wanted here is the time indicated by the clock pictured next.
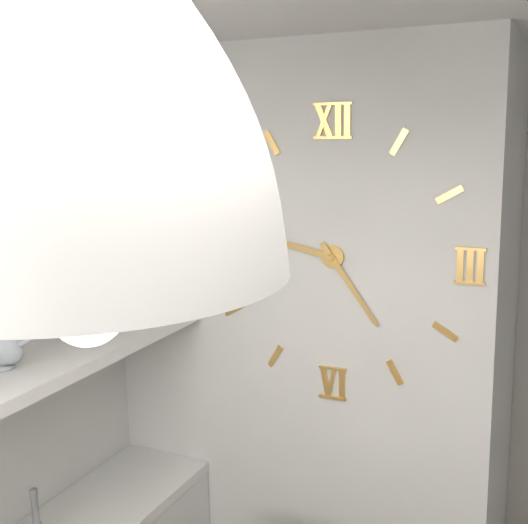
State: 9:24
